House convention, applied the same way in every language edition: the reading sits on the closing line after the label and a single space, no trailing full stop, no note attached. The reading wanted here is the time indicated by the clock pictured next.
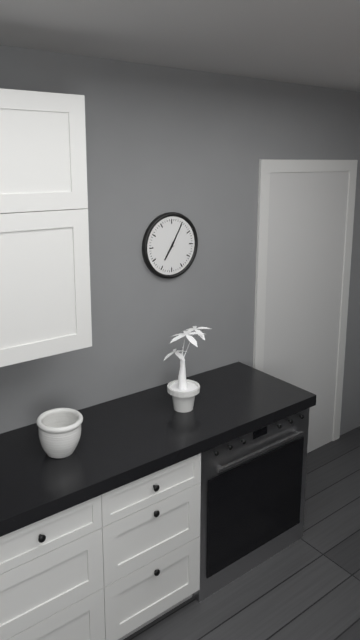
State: 7:05
